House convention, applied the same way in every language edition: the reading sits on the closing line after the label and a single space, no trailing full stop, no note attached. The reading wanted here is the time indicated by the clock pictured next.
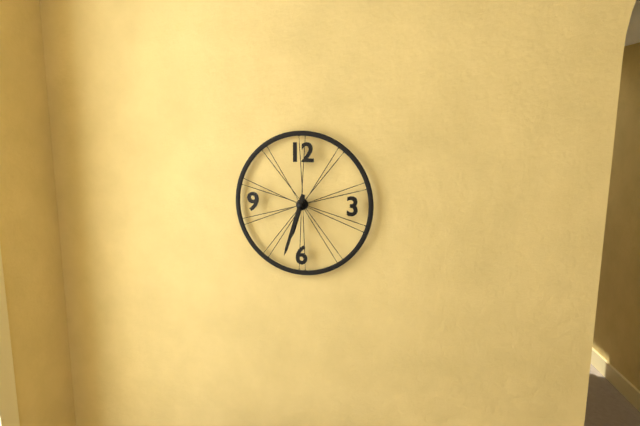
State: 6:33
